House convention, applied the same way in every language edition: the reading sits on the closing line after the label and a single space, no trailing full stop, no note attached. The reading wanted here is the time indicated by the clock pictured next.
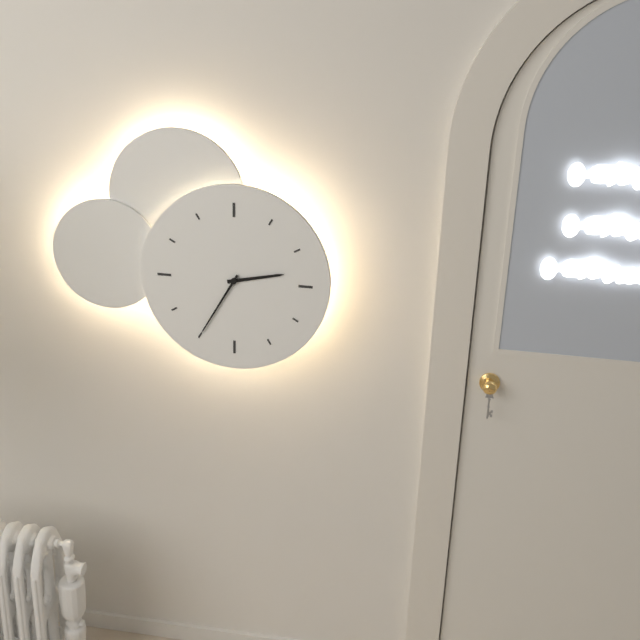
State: 2:35
